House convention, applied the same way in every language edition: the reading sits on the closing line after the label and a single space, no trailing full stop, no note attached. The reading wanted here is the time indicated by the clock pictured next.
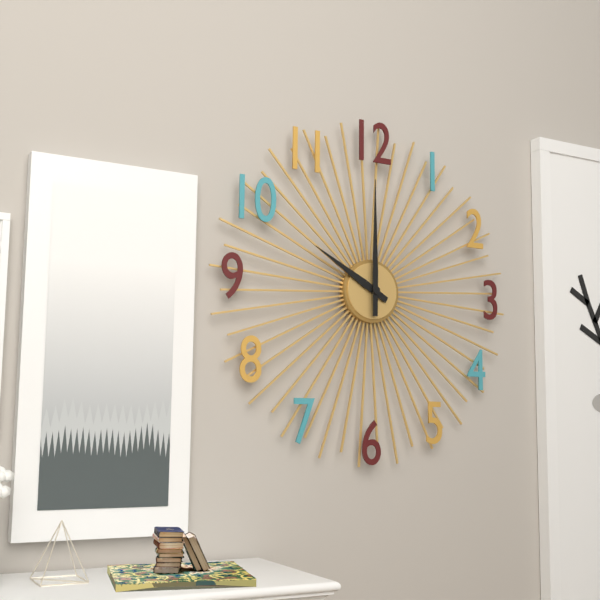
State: 10:00
